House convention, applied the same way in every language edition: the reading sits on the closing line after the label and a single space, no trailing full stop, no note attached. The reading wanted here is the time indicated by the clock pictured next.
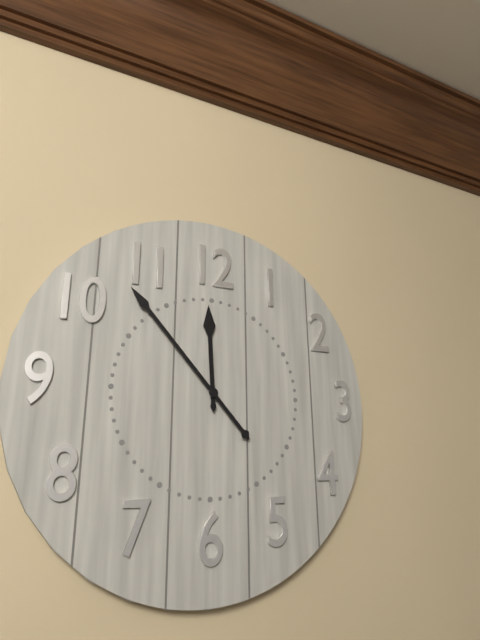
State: 11:53
